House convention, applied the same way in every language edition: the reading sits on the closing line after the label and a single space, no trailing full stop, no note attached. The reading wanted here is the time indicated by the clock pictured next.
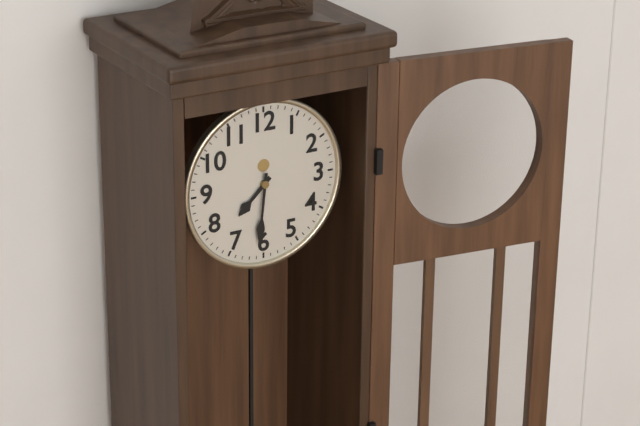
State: 7:31
